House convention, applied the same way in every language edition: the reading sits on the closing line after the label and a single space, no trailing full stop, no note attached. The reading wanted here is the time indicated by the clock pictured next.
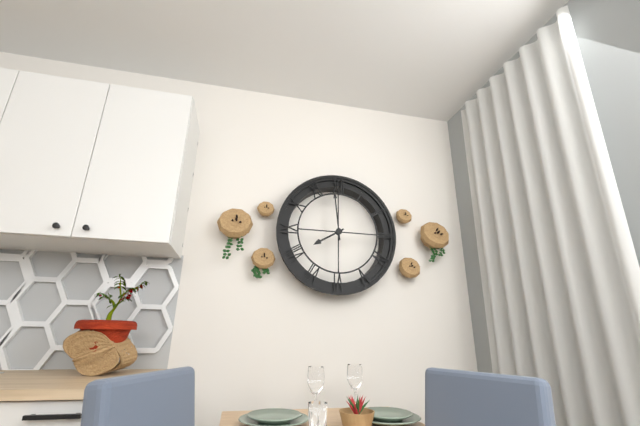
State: 7:59
